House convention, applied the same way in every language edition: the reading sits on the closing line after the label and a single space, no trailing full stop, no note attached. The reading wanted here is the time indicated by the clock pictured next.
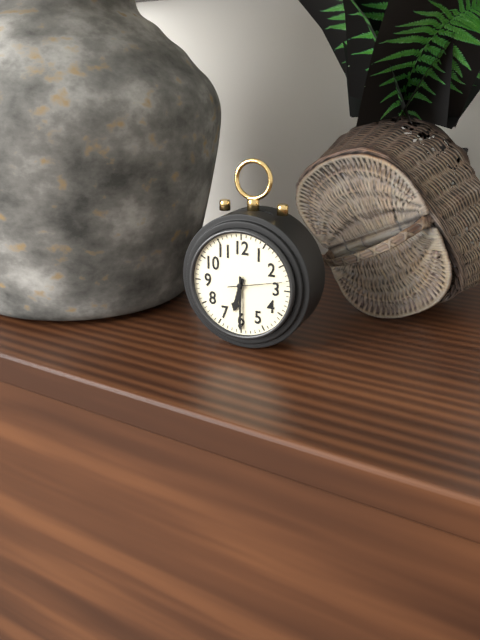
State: 6:30:13
